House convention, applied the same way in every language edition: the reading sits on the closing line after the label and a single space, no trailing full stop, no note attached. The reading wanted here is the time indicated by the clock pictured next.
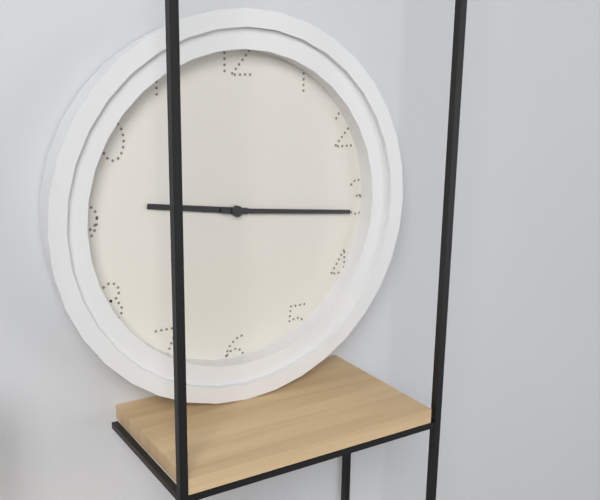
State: 9:16
